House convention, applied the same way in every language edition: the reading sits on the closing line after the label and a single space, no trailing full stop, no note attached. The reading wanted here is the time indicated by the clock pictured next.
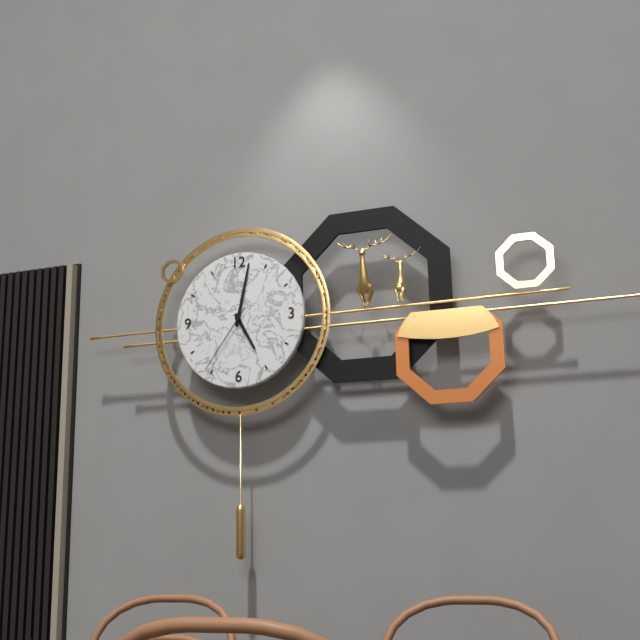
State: 5:02:36
